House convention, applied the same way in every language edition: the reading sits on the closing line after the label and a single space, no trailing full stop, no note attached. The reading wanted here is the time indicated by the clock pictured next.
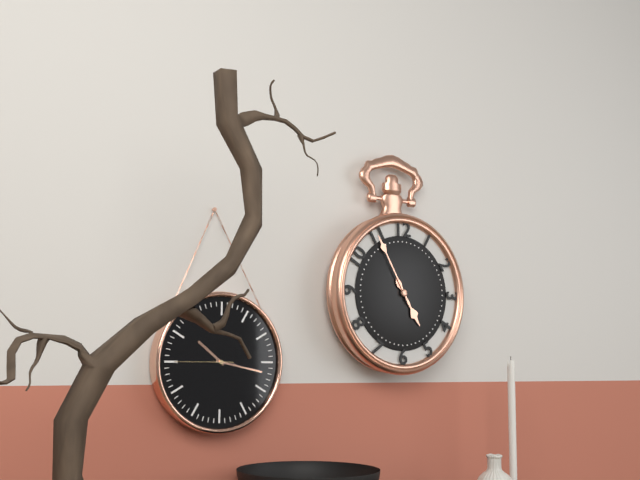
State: 4:55
